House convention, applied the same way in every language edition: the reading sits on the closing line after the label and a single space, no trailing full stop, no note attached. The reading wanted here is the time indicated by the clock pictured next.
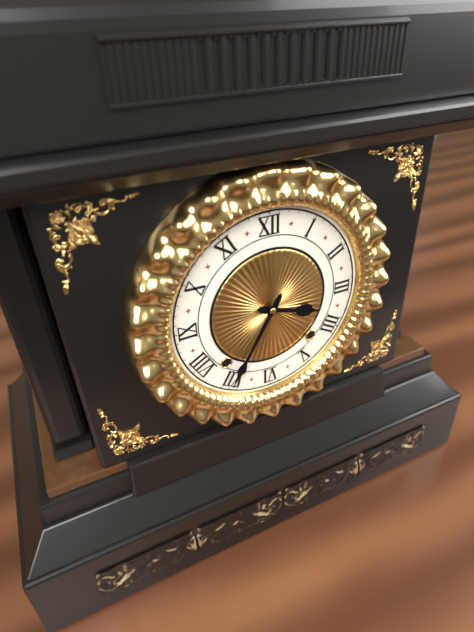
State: 3:35
